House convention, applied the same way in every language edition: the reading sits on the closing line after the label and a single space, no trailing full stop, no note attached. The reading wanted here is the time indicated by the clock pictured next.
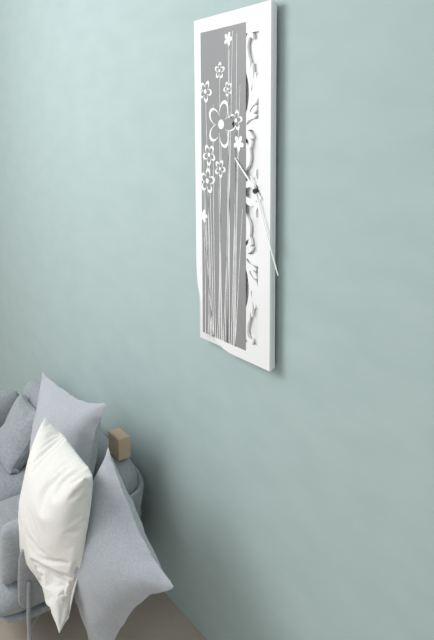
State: 10:26
